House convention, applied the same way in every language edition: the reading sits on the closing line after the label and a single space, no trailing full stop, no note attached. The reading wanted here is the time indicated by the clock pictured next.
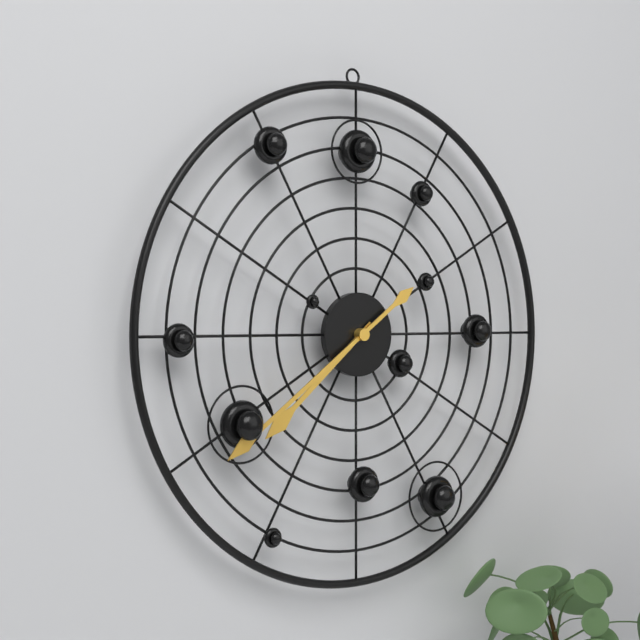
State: 7:39
